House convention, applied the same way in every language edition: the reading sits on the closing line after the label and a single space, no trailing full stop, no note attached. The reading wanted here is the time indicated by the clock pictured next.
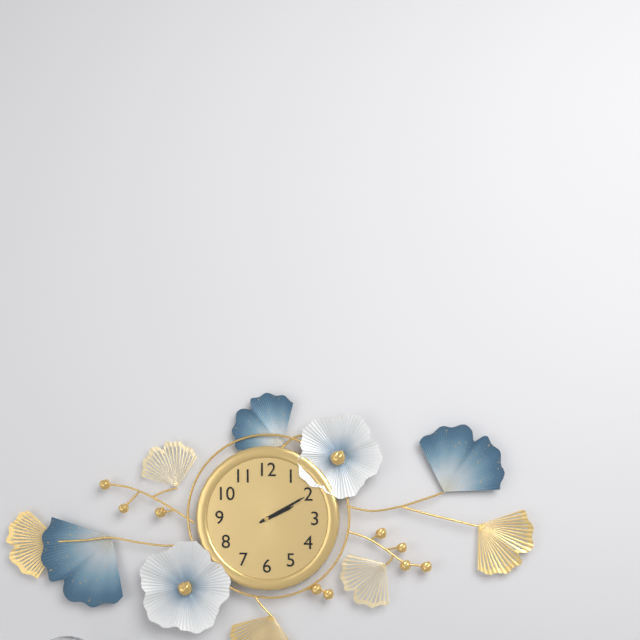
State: 2:10
